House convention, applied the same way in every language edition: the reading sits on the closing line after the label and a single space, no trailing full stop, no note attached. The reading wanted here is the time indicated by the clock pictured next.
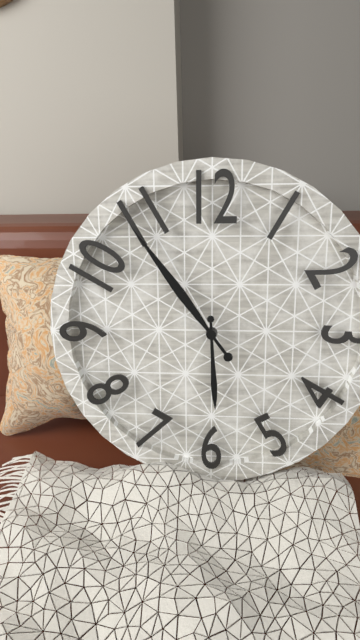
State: 5:54
